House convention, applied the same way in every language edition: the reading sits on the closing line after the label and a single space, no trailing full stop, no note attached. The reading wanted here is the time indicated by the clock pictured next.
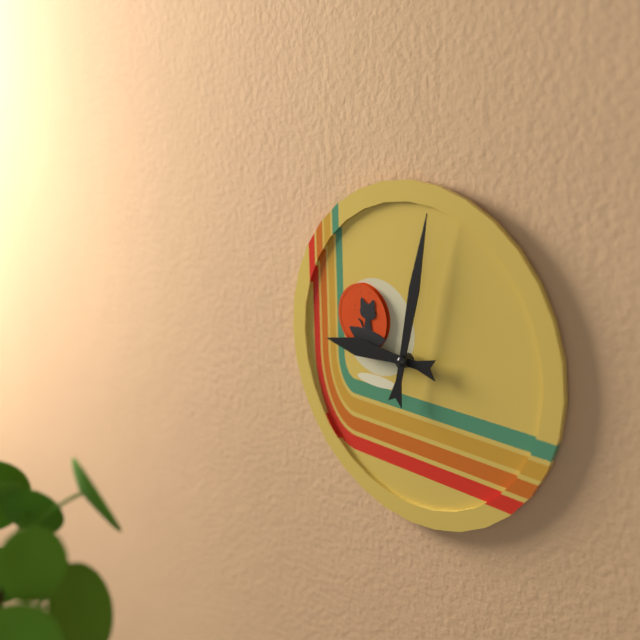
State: 9:02
